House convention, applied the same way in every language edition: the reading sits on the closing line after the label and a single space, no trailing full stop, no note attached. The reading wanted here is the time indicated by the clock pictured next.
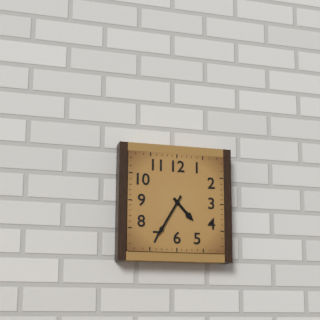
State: 4:35
